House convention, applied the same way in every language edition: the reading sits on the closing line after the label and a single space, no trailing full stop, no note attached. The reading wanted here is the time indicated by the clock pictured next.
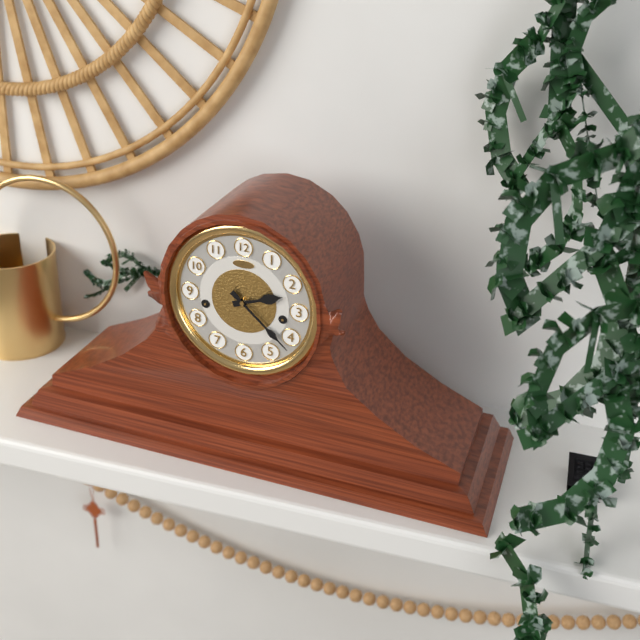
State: 2:22
